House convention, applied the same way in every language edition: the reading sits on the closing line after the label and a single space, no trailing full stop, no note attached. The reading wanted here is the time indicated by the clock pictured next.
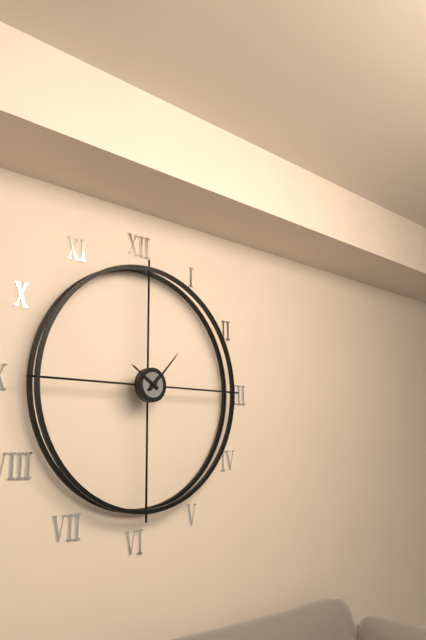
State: 10:07
